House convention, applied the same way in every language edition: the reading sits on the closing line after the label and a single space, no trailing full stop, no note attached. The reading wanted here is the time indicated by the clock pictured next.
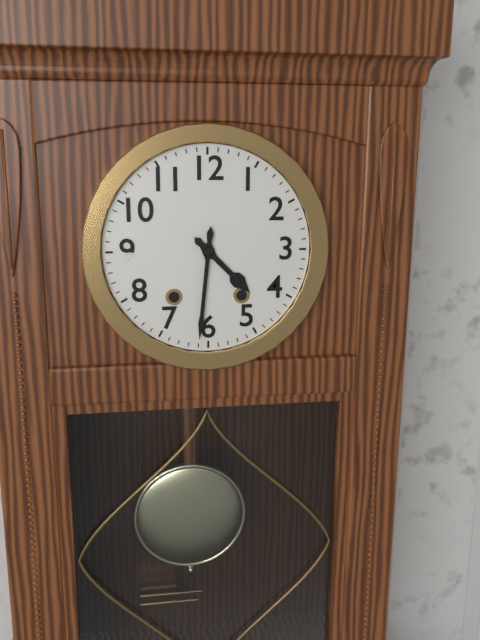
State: 4:31
